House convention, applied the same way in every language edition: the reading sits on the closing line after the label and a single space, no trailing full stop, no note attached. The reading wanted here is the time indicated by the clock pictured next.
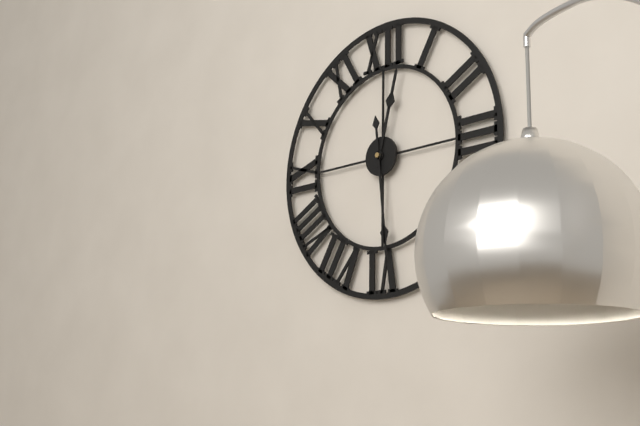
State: 12:29
